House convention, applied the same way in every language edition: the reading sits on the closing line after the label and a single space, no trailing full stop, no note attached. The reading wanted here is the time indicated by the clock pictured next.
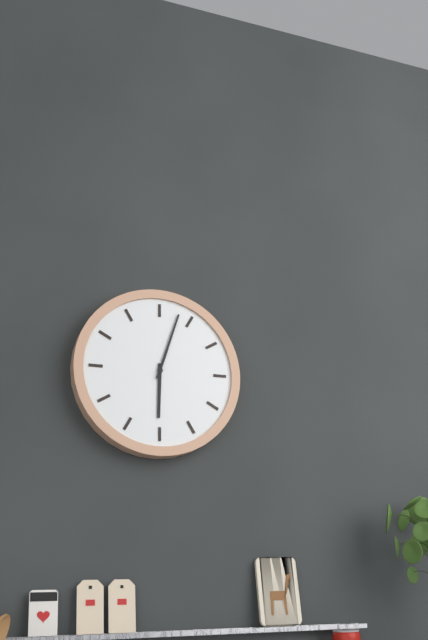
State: 6:03
